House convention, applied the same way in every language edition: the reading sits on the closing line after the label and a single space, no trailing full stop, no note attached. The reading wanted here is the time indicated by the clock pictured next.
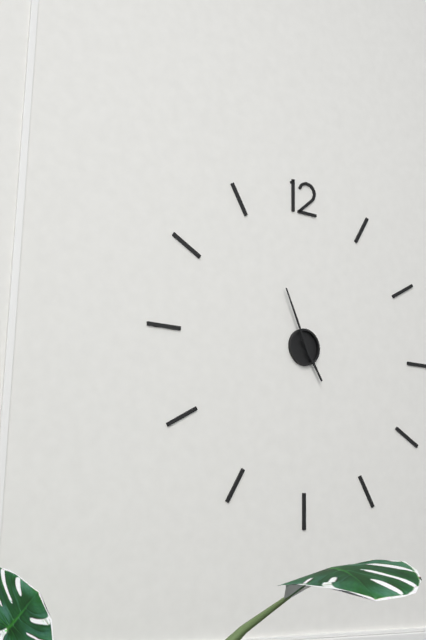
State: 4:56
